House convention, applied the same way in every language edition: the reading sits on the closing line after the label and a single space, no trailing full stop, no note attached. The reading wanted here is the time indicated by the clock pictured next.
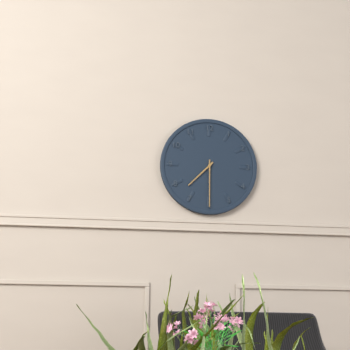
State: 7:30
